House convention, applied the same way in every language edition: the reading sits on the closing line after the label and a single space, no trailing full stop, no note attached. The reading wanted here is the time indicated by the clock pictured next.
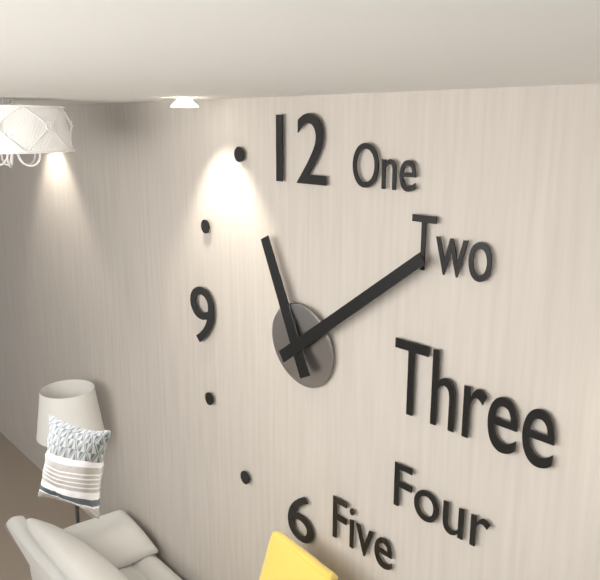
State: 11:09
